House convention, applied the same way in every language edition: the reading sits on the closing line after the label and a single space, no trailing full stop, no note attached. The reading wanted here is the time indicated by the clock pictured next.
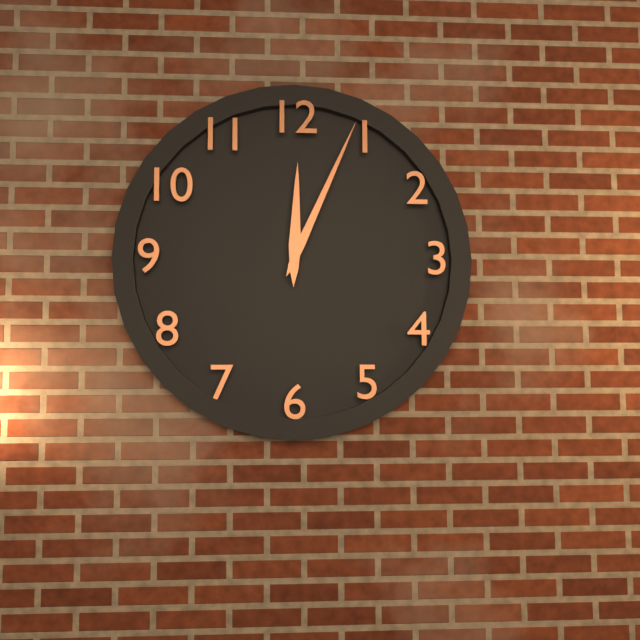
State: 12:04
